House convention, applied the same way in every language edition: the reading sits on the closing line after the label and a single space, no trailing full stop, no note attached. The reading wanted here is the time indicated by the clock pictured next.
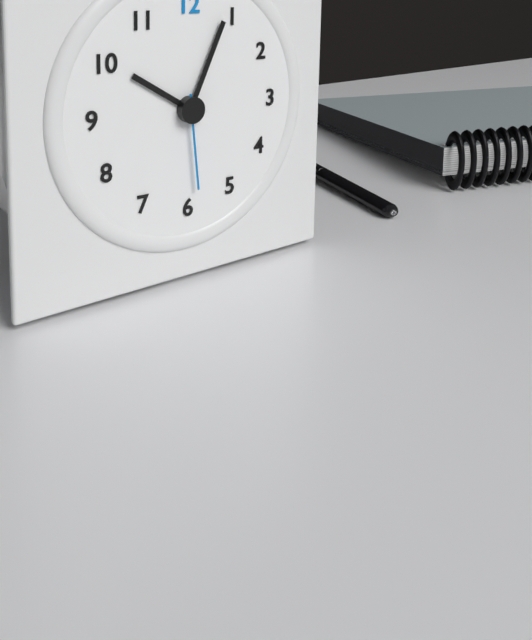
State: 10:04:29
